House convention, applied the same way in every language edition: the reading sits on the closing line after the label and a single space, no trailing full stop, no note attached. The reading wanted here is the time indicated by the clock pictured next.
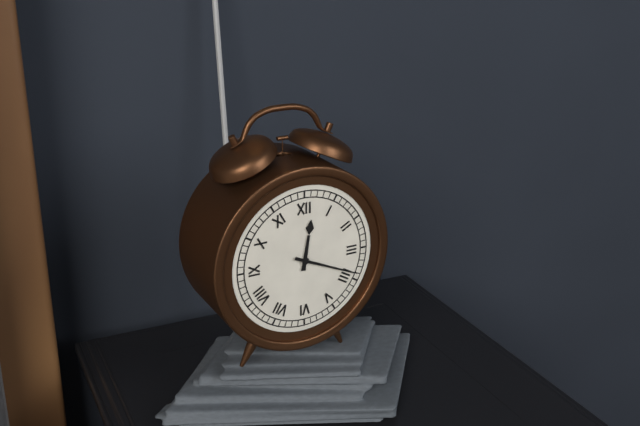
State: 12:19
